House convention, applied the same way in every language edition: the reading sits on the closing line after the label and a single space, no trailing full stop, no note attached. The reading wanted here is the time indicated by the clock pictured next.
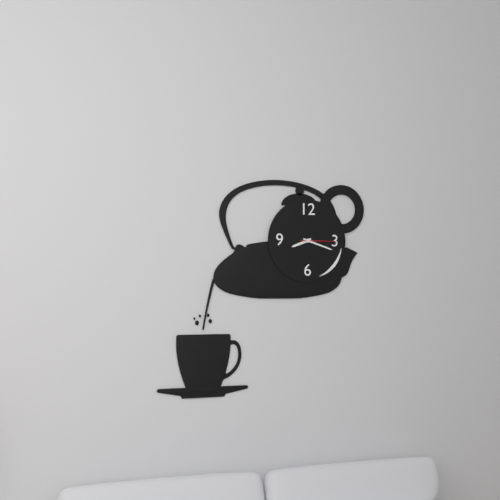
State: 8:18
